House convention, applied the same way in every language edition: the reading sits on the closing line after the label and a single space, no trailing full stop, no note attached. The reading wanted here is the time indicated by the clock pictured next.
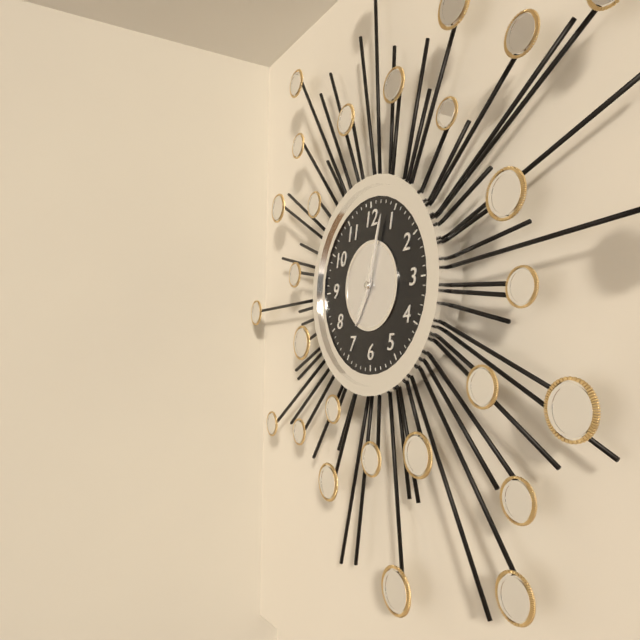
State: 7:03
